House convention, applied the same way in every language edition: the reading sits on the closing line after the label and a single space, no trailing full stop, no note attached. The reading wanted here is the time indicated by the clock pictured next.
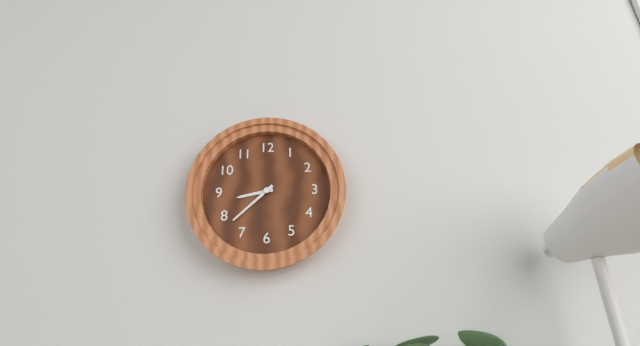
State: 8:38
